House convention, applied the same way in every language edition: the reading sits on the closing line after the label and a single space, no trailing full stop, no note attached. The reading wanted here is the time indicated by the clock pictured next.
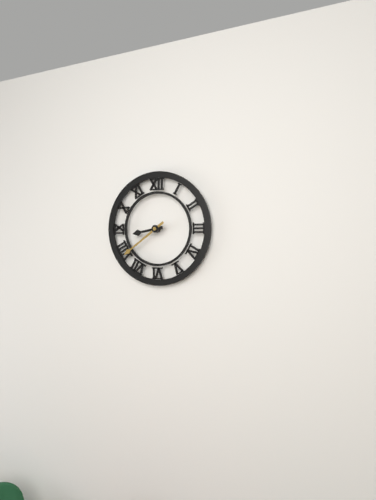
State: 8:39
